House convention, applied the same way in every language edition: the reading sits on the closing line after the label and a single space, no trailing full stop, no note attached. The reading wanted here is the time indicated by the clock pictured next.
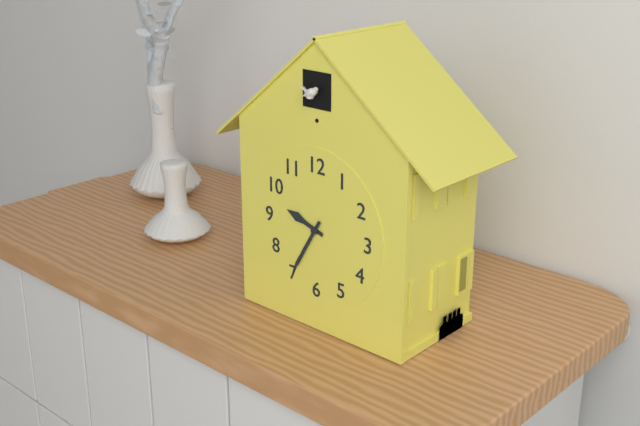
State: 9:35
